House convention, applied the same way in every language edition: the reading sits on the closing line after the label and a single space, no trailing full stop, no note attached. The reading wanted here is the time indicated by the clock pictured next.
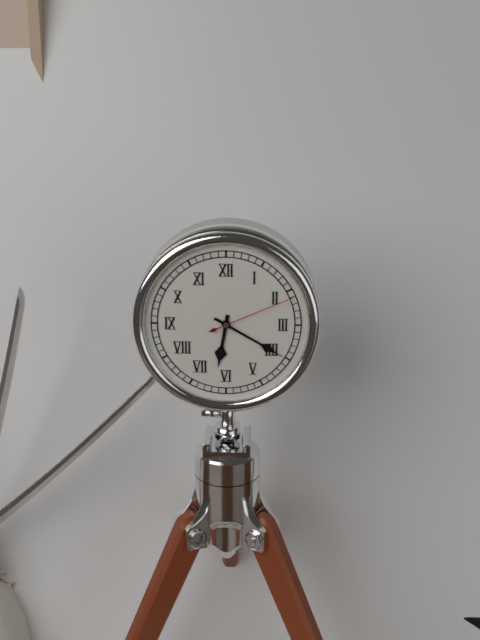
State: 6:20:11
